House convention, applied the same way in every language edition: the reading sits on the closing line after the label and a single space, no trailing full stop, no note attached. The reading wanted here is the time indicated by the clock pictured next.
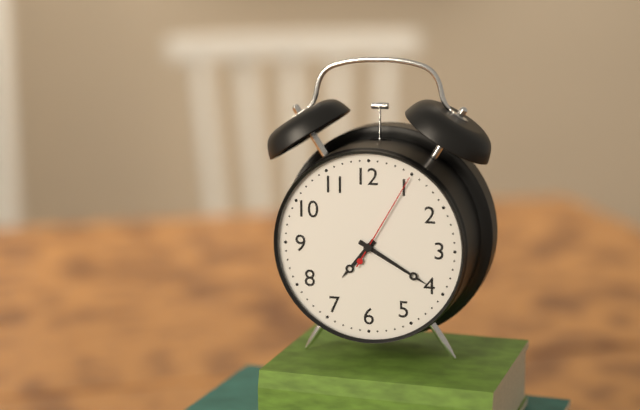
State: 7:20:05
